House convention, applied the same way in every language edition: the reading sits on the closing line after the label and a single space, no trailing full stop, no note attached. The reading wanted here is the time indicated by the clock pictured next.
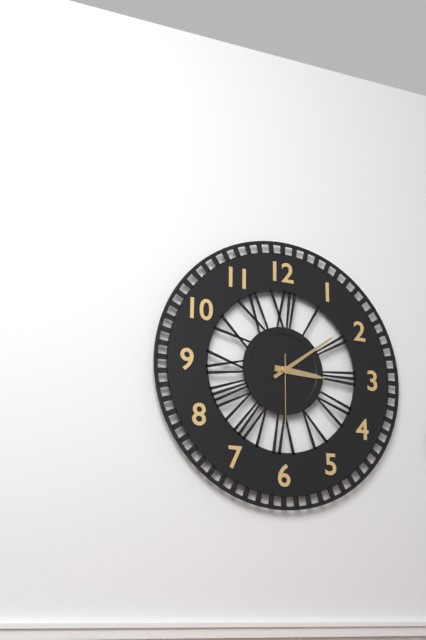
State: 3:09:30
